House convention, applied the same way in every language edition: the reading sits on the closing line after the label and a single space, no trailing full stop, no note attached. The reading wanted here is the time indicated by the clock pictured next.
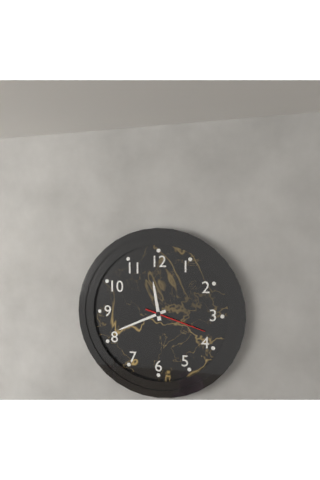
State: 11:41:18
